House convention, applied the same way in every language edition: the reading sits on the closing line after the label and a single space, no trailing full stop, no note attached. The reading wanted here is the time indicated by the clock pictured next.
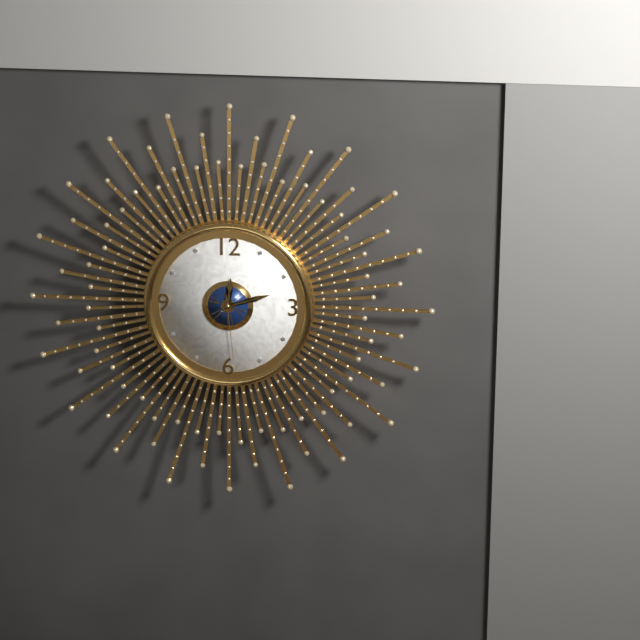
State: 12:12:29
